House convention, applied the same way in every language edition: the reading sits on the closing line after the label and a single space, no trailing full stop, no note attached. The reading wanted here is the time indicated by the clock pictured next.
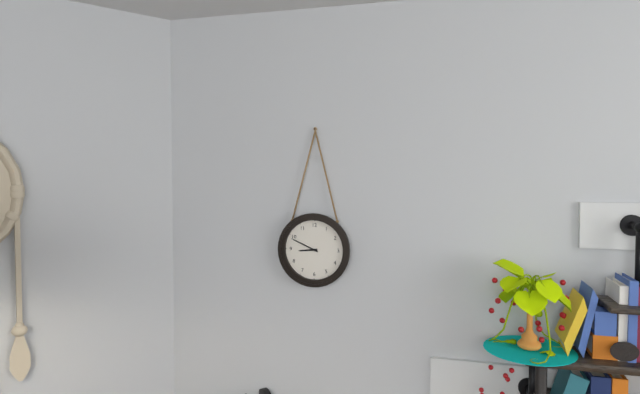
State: 8:49
